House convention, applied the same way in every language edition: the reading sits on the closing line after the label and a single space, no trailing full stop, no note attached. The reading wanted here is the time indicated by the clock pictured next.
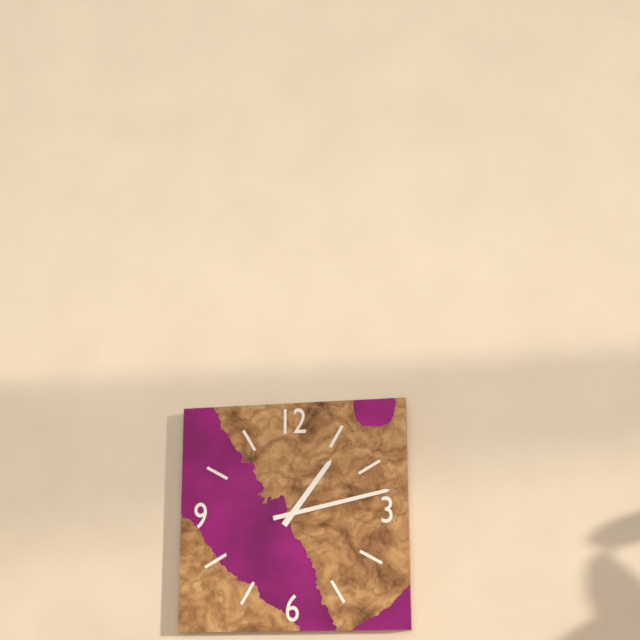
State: 1:13
